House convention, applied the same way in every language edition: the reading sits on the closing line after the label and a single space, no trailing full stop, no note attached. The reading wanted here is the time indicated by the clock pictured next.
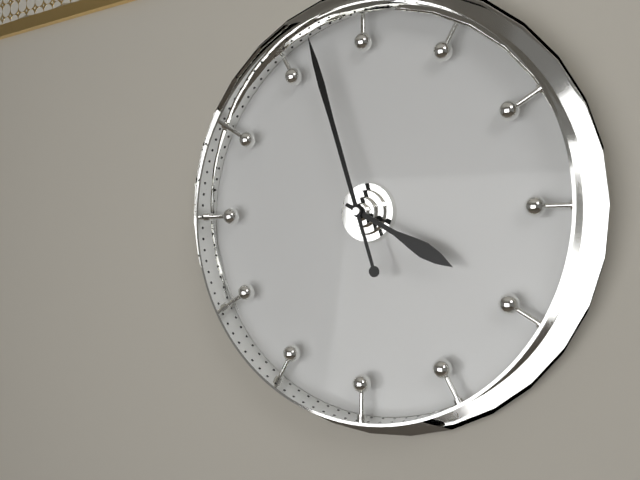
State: 3:57
